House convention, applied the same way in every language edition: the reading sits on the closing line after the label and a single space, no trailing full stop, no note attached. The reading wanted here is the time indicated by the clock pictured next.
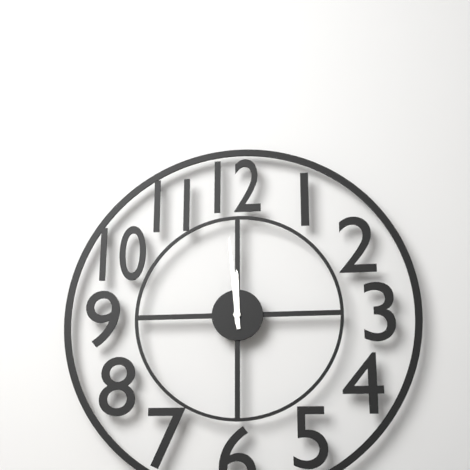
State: 11:59
